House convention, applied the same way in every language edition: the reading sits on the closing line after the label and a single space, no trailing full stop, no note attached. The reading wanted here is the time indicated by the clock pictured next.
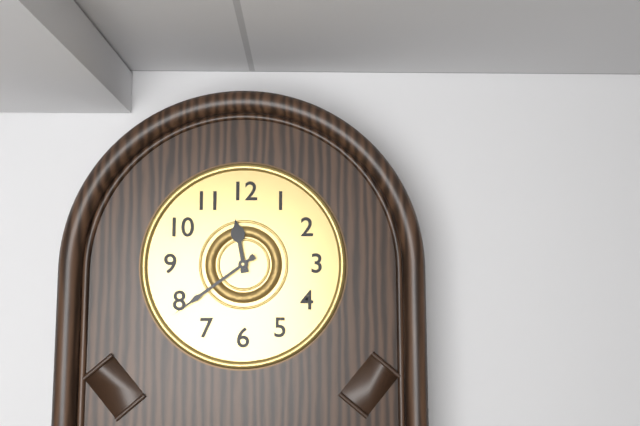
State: 11:39
